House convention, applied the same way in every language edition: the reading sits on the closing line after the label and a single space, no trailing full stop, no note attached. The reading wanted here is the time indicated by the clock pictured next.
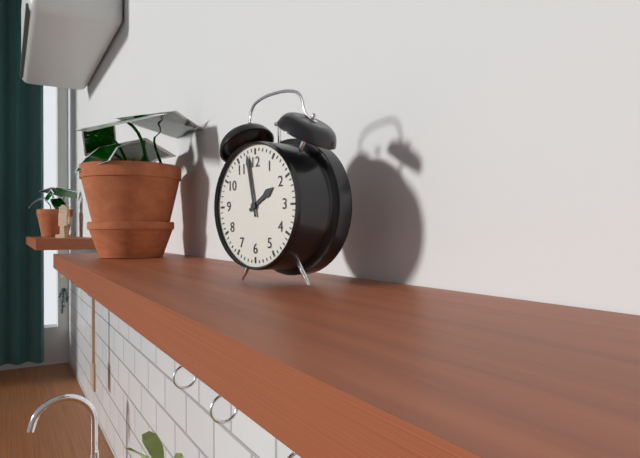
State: 1:58
